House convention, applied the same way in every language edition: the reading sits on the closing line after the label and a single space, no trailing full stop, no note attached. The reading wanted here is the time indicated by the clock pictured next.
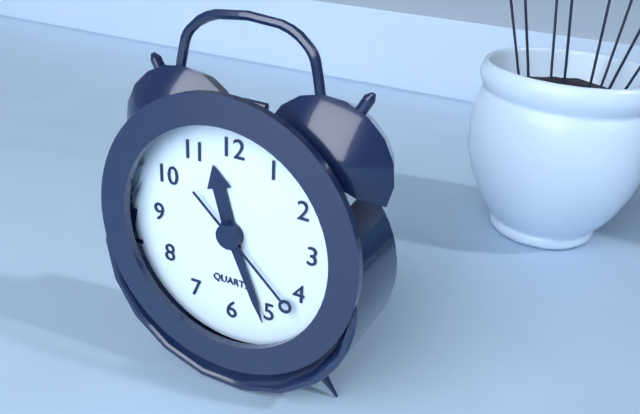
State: 11:26:22
